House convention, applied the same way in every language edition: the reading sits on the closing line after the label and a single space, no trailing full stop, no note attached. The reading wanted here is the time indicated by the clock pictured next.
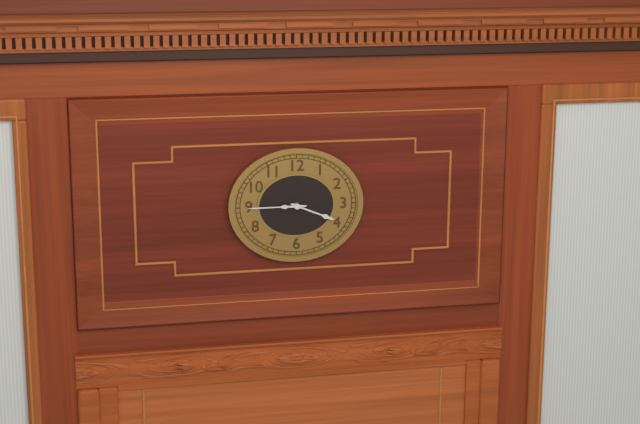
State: 3:45
